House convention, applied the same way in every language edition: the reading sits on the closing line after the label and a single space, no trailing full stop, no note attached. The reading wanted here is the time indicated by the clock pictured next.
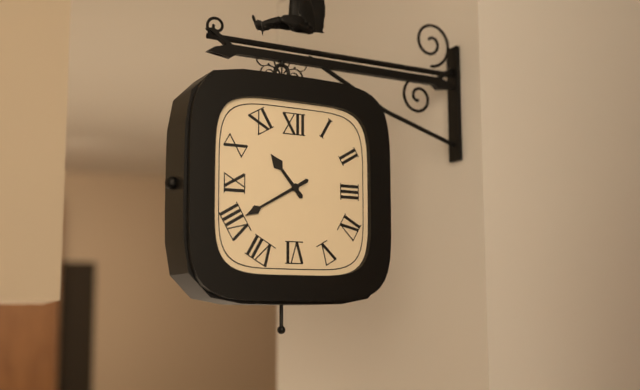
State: 10:40
